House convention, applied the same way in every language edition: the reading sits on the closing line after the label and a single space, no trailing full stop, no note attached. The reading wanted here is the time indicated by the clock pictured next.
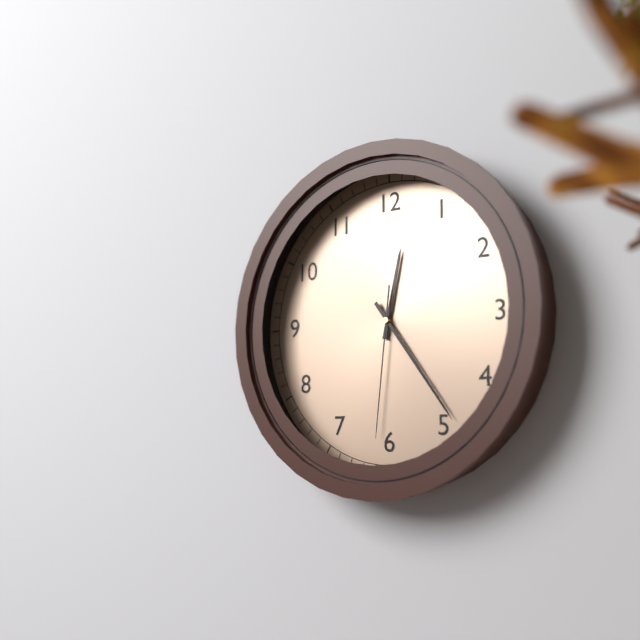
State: 12:24:31
